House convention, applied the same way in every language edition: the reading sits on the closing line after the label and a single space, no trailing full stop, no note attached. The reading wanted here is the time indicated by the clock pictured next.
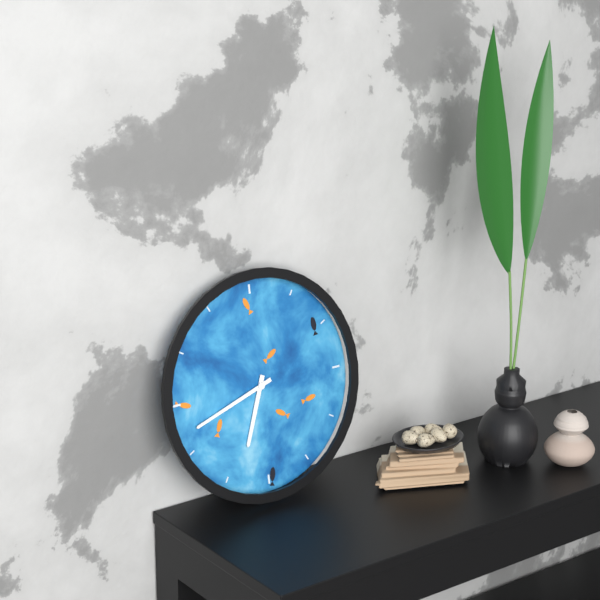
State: 6:42
